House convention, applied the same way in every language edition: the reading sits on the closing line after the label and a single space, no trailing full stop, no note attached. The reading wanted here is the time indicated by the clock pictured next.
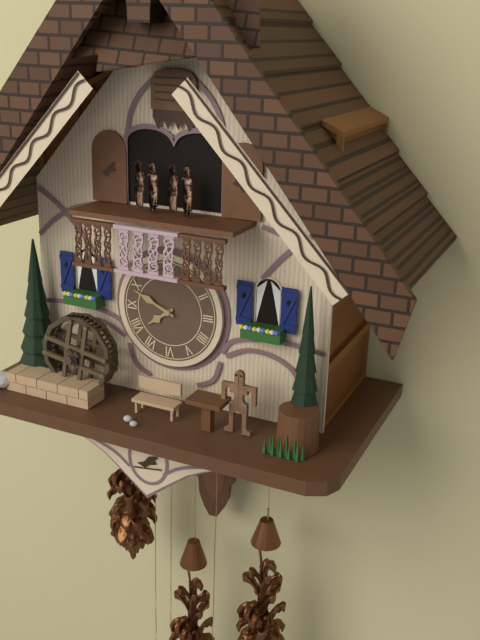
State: 7:49
